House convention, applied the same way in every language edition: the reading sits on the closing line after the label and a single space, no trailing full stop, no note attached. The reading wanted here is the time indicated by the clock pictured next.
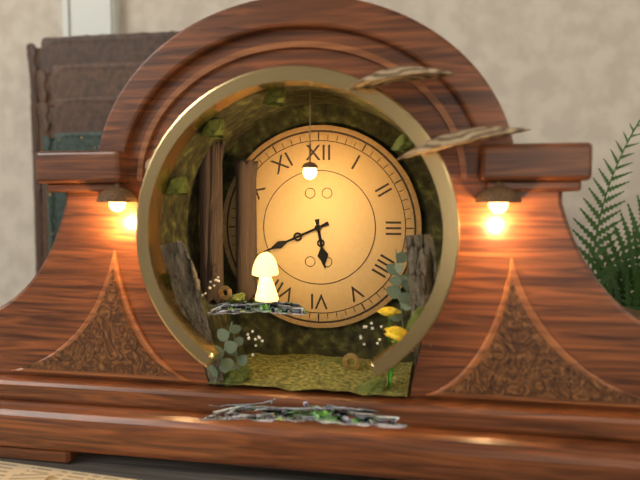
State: 5:41
